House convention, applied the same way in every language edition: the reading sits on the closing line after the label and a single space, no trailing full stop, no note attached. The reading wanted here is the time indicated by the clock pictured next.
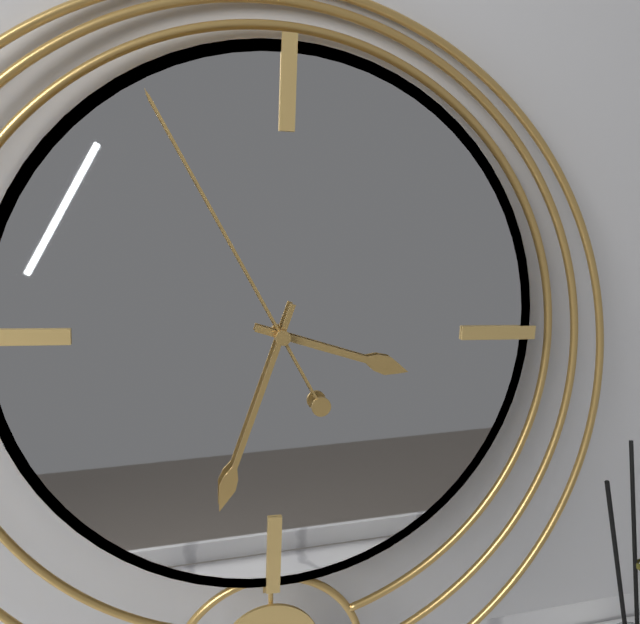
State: 3:33:55
